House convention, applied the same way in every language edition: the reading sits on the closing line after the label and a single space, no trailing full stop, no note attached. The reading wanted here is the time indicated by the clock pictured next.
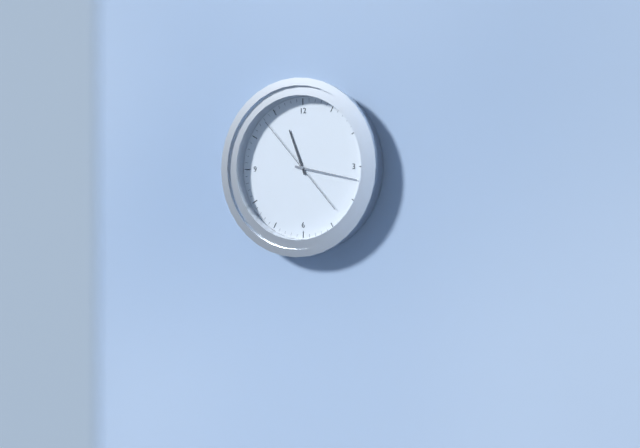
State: 11:17:53
